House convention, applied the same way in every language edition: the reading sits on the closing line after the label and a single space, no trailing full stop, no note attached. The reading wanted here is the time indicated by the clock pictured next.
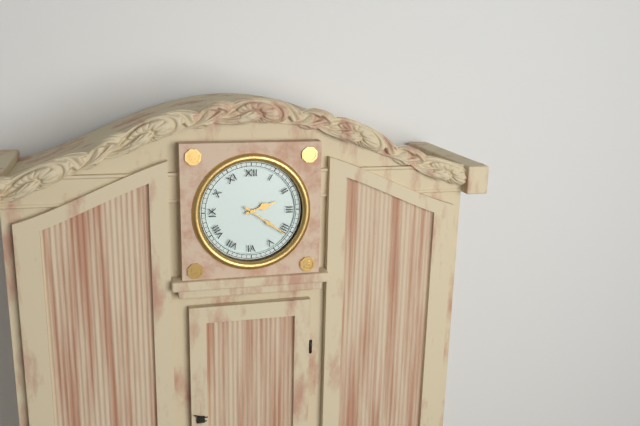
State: 2:21
